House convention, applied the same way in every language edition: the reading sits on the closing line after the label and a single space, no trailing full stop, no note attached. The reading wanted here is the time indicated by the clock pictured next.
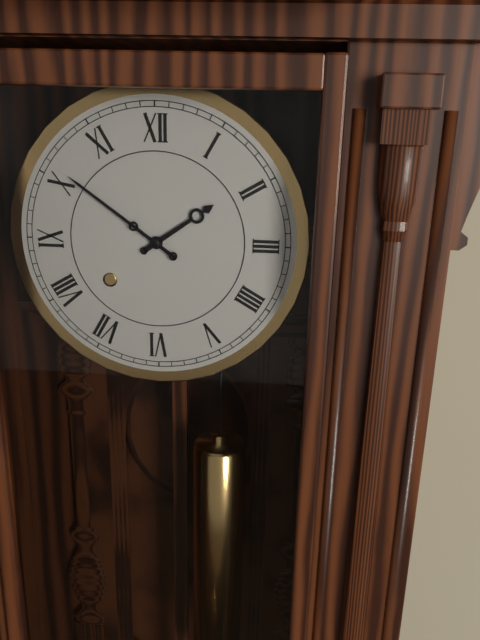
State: 1:51
